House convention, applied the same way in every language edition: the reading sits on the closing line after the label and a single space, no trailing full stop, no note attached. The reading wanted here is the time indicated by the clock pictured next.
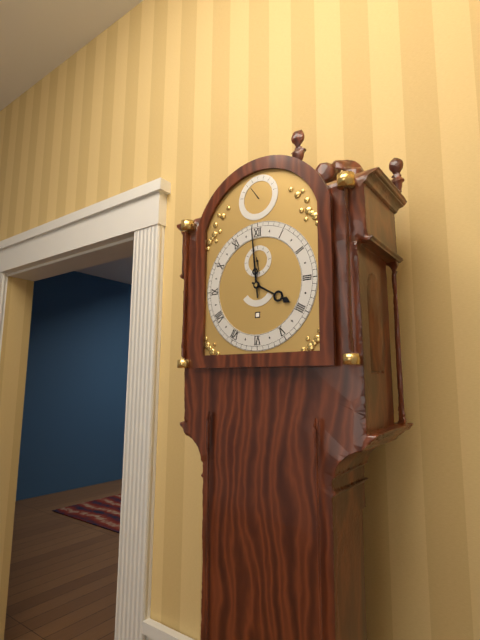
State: 3:59
